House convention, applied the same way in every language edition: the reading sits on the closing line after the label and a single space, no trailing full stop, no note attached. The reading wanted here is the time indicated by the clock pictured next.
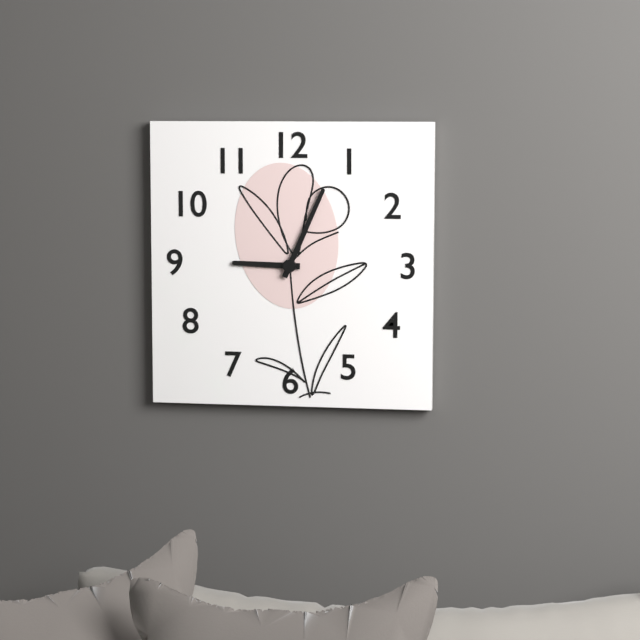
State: 9:04
